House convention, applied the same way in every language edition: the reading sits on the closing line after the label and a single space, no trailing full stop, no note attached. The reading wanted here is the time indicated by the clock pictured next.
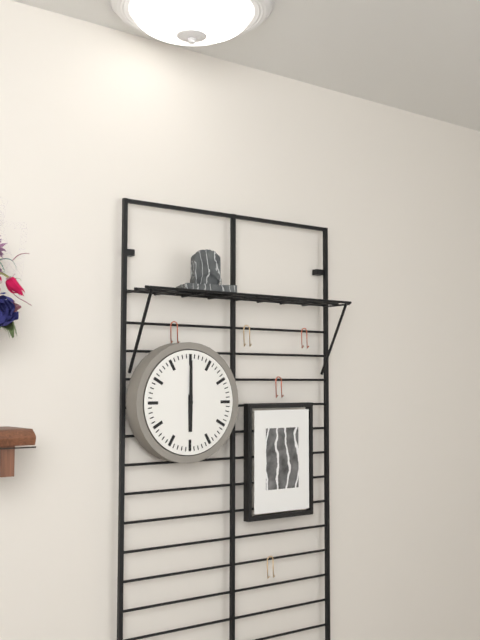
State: 6:00
